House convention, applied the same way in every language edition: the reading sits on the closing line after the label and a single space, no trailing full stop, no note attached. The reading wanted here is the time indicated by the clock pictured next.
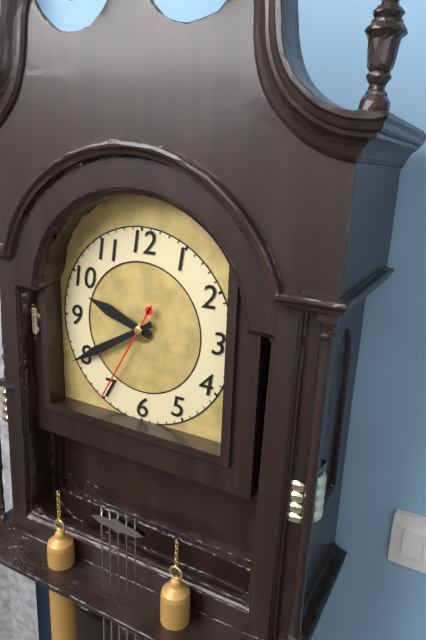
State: 9:40:35
